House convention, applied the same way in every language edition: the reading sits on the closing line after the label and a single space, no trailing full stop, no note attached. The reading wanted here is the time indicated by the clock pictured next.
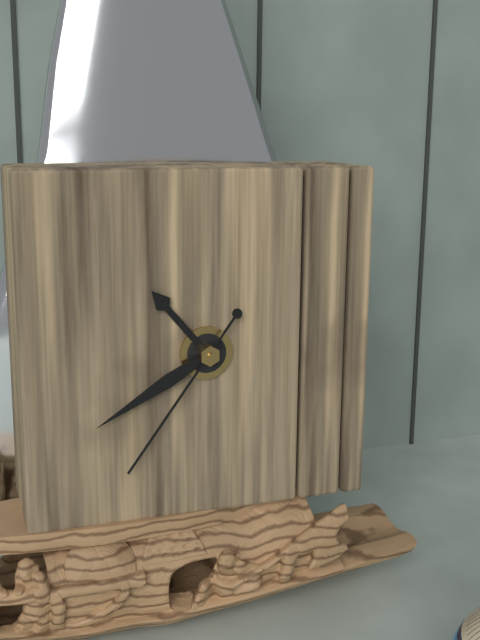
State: 10:40:36
